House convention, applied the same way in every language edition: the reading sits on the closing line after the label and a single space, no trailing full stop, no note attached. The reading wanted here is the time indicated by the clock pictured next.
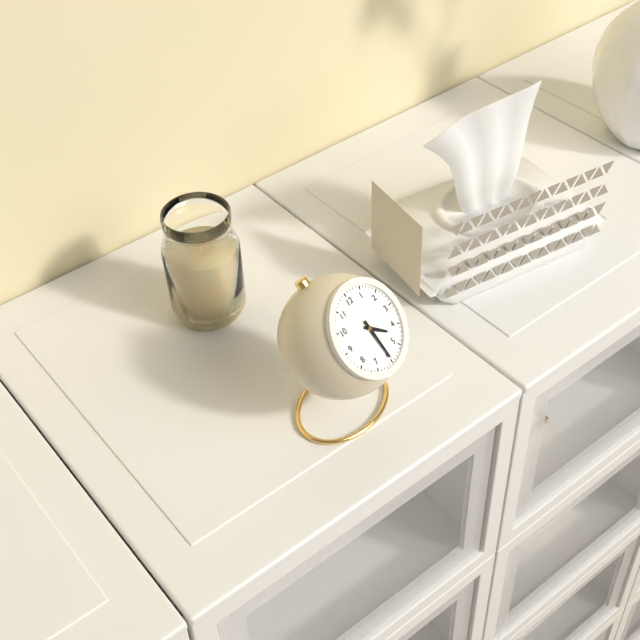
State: 4:30
